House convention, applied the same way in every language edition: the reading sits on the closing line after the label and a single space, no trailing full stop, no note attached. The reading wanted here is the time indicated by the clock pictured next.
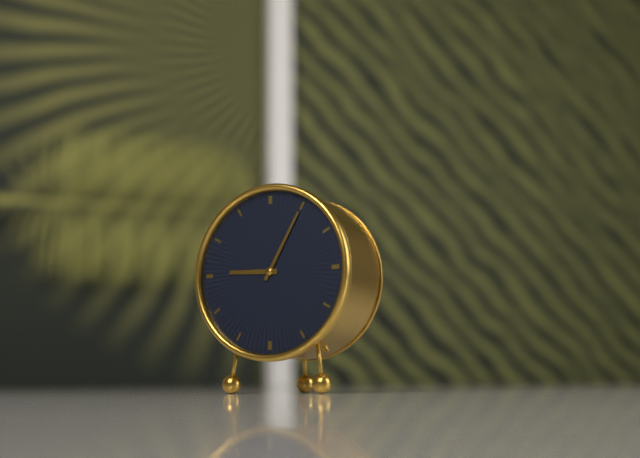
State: 9:05
